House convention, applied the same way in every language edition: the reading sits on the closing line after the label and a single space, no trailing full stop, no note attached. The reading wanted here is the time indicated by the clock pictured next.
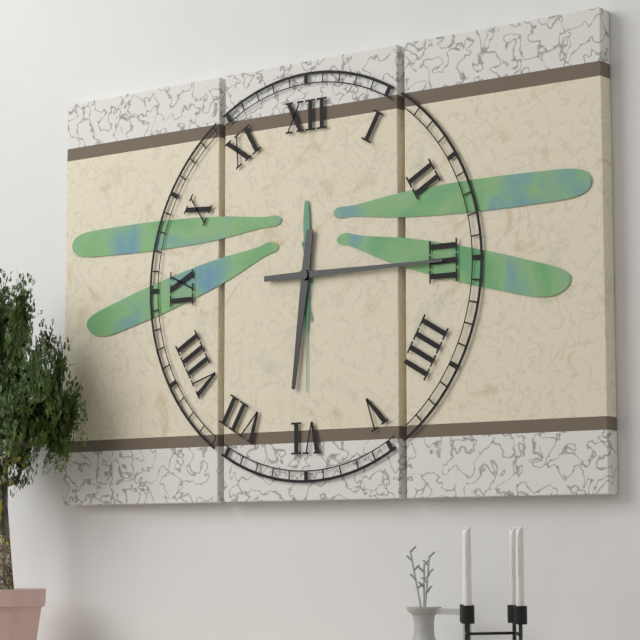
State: 6:15
